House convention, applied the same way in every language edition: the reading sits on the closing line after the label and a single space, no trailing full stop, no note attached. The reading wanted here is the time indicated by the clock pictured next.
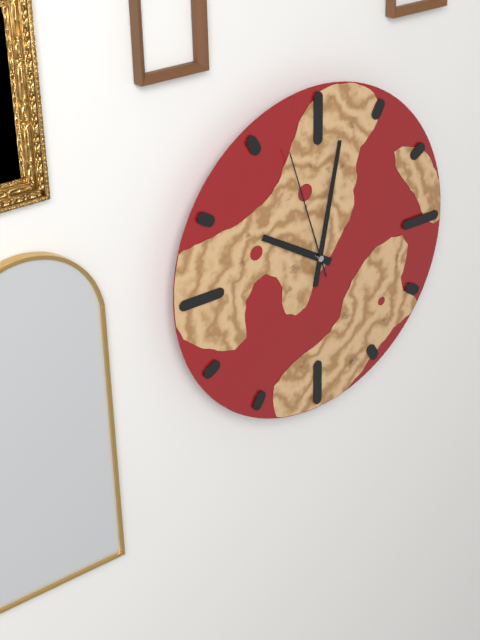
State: 10:02:57
